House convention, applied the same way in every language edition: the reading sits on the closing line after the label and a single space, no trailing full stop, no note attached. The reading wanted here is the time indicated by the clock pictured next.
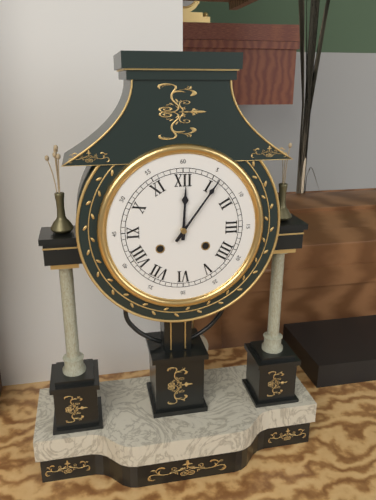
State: 12:06
